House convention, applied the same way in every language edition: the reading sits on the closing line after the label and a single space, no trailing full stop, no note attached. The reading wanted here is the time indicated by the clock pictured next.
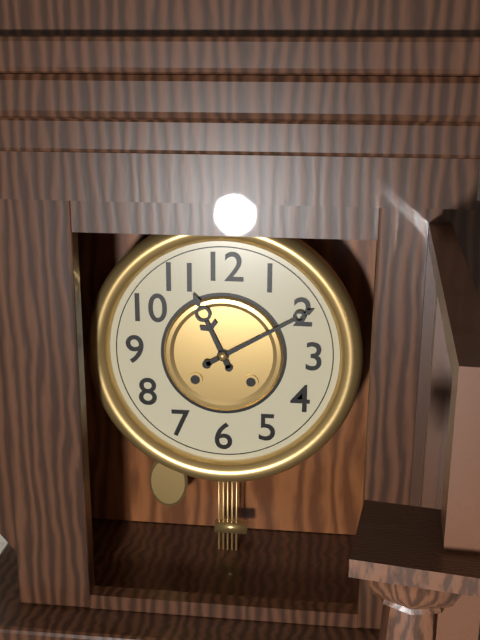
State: 11:10
